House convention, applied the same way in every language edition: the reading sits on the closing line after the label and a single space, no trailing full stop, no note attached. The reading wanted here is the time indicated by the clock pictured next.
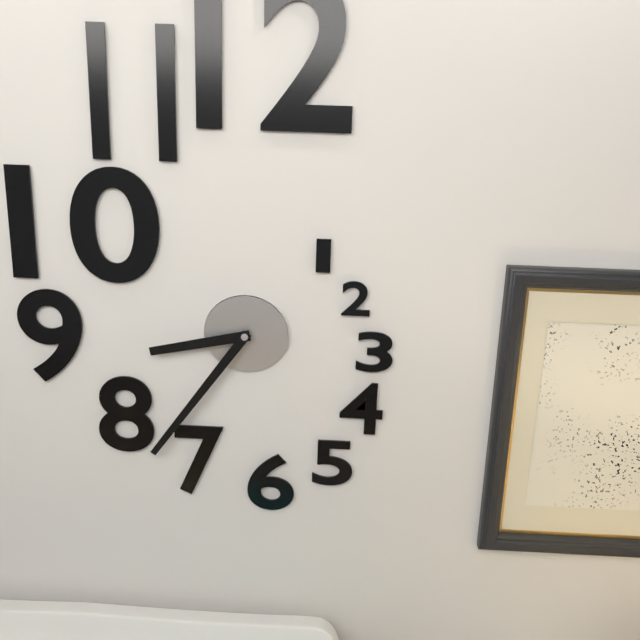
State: 8:36
